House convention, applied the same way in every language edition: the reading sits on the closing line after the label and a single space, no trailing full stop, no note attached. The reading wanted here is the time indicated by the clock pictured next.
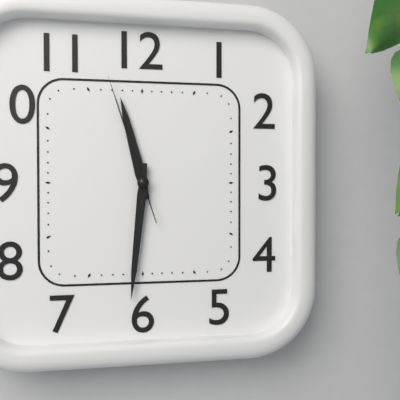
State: 11:31:57
